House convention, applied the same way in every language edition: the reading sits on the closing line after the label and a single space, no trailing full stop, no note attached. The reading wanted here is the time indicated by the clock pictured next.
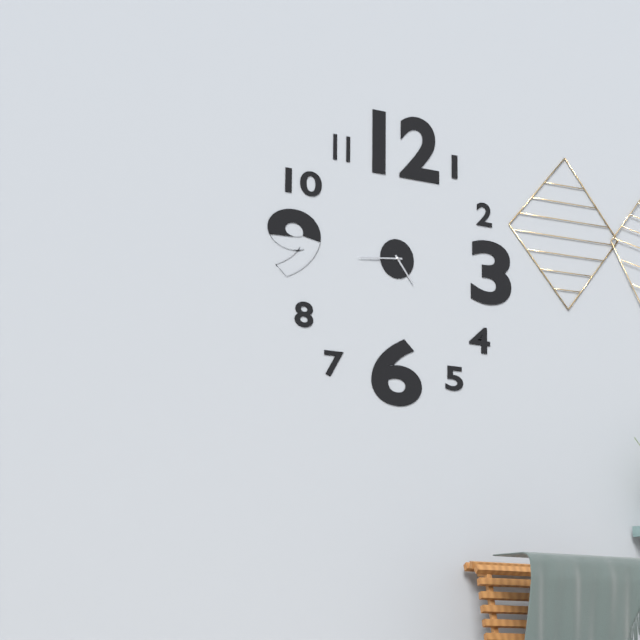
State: 4:44
